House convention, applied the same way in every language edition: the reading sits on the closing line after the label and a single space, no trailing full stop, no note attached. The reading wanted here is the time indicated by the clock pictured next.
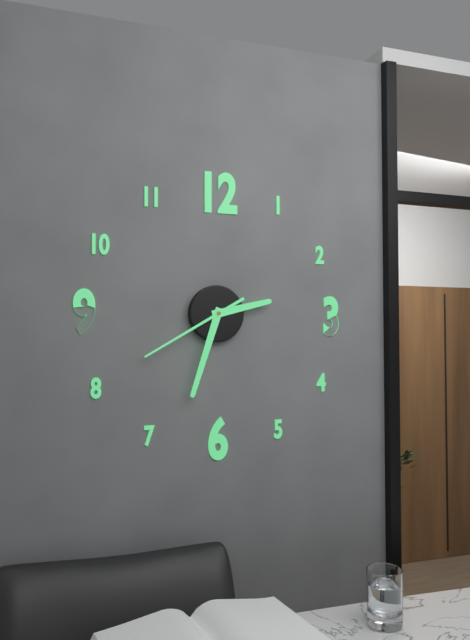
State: 2:33:40
